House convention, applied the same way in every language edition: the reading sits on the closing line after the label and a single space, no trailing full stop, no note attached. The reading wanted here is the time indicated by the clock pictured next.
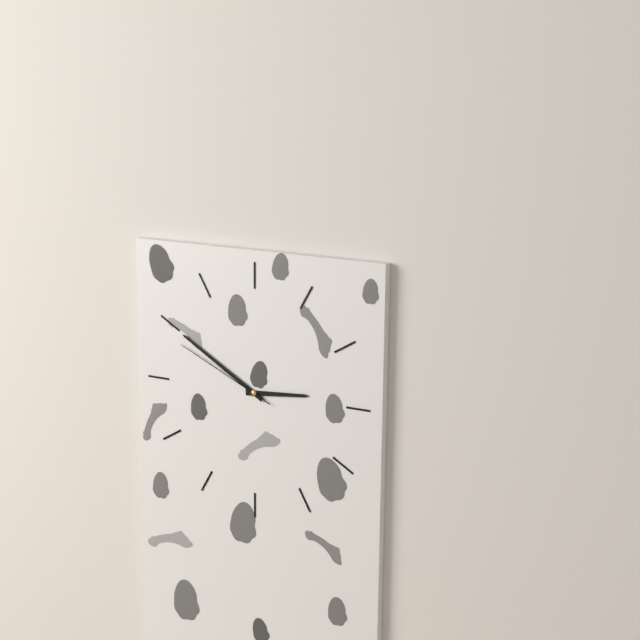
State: 2:50:49
